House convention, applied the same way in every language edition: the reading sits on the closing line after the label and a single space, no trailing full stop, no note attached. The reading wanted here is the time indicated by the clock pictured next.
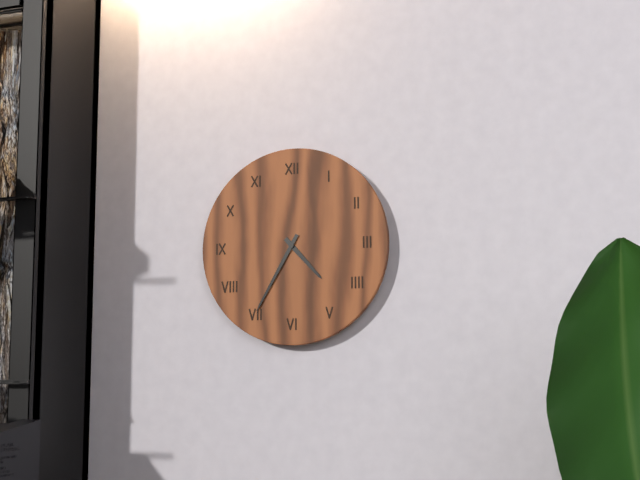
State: 4:35
